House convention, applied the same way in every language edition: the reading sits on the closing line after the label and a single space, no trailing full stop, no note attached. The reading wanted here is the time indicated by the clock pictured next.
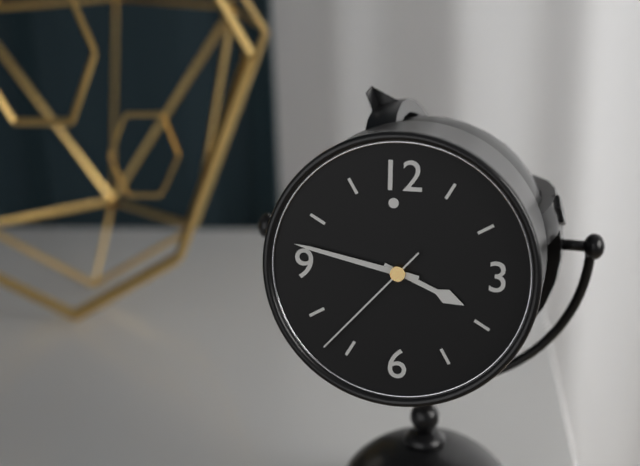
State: 3:47:37
